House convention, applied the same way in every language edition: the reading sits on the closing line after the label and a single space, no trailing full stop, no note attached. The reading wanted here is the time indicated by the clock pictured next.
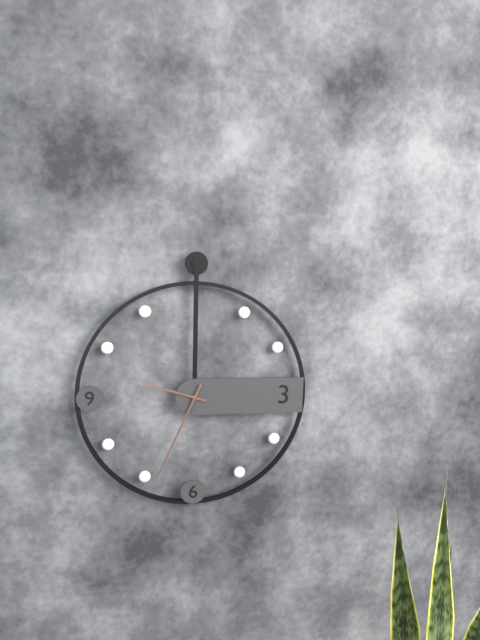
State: 9:34
